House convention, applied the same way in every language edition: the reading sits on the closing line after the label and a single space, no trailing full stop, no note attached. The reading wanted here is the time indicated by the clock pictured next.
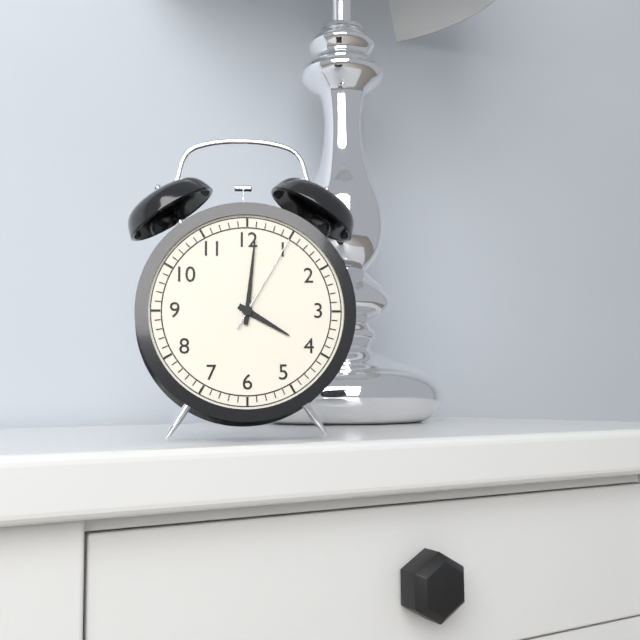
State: 4:01:05
